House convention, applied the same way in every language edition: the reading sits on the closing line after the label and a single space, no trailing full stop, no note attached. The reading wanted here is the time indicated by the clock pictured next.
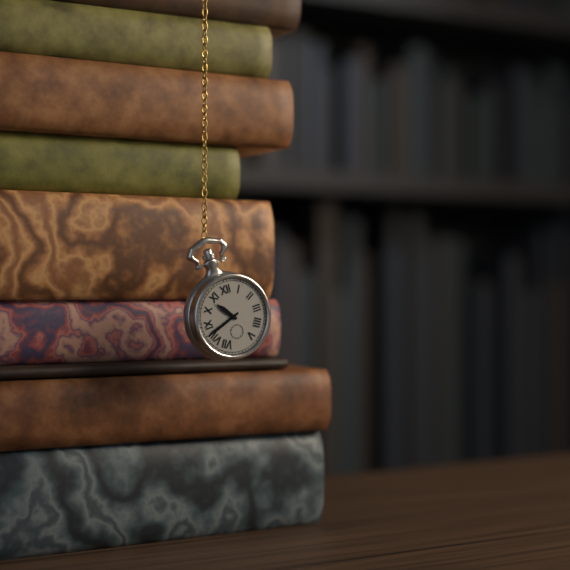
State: 10:42
